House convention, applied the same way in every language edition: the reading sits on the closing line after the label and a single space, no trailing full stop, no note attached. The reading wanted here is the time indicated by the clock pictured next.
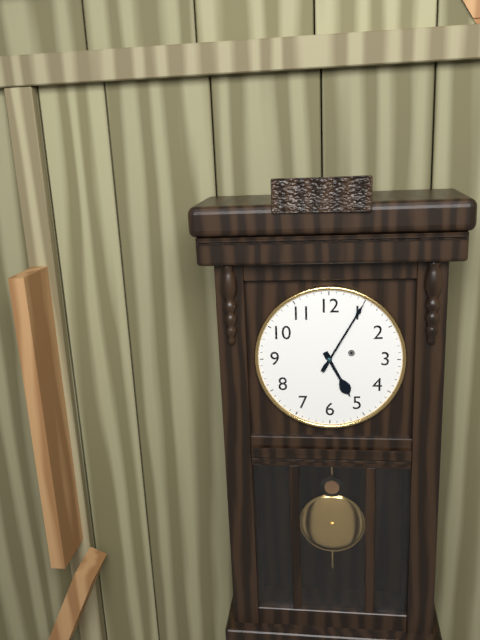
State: 5:05
